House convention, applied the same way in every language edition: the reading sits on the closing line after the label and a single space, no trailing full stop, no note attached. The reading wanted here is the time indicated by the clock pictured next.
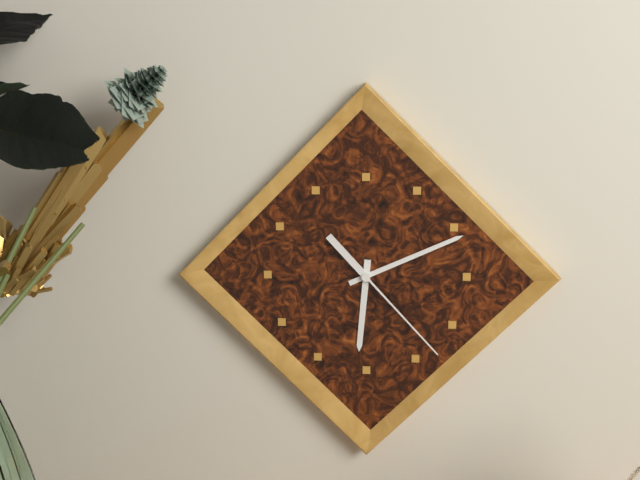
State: 6:11:23
